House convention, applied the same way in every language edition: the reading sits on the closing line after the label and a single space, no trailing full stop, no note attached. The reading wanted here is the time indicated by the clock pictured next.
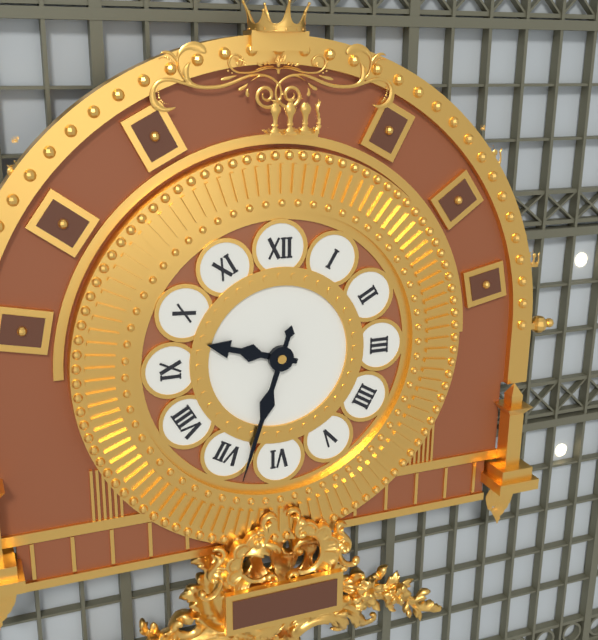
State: 9:33
